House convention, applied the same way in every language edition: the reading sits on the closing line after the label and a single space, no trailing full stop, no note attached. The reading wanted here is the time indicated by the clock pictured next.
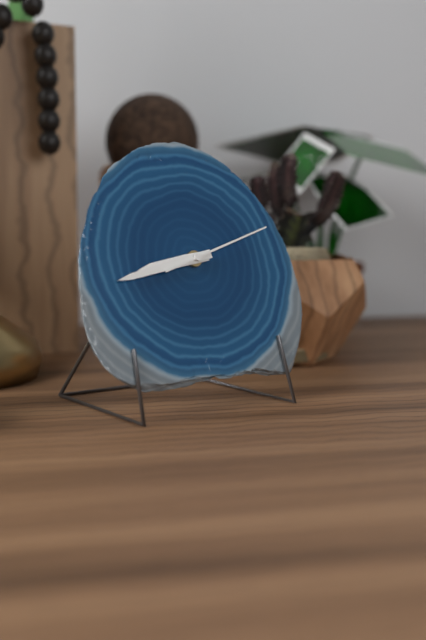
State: 8:43:12
